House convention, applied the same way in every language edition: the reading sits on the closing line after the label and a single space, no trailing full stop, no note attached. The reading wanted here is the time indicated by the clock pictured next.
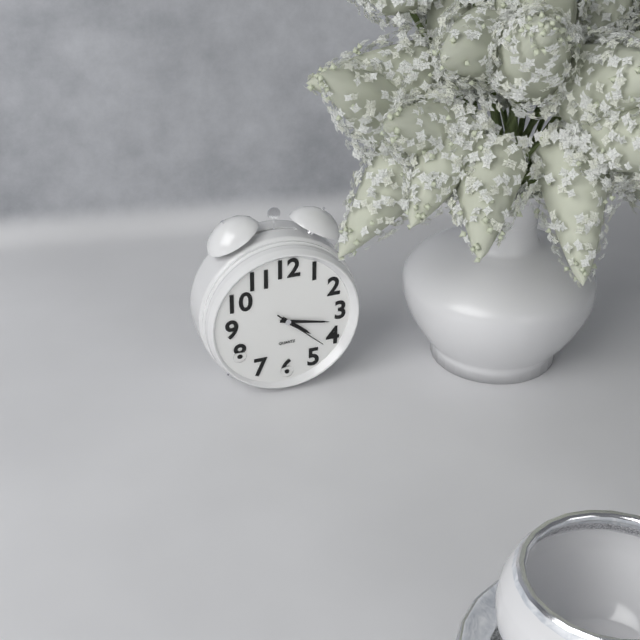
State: 4:17:22
